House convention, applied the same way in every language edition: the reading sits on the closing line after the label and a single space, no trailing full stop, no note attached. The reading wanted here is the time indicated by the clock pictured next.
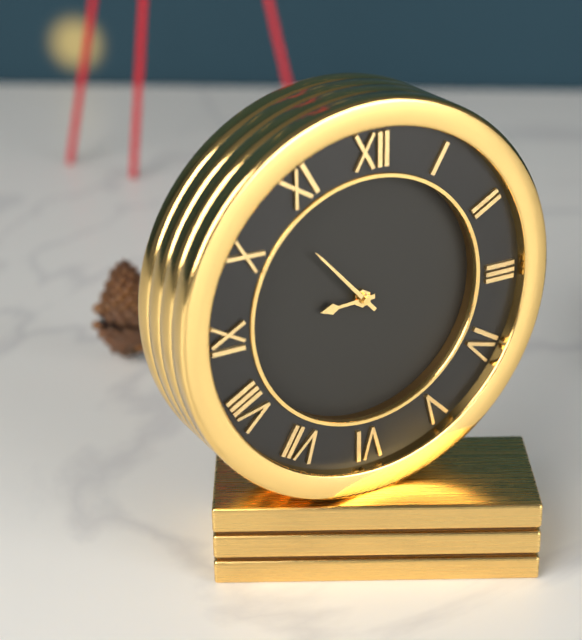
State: 8:53
